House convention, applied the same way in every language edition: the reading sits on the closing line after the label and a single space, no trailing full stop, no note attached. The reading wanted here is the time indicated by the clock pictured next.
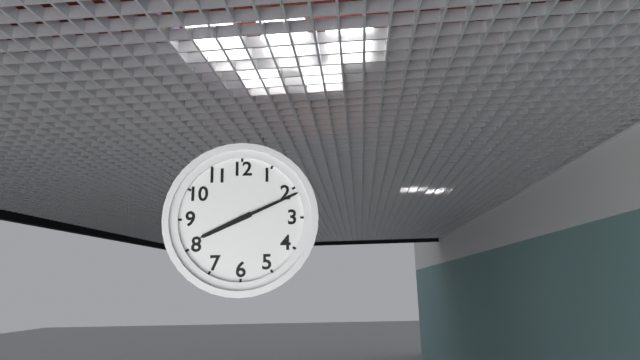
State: 8:11
